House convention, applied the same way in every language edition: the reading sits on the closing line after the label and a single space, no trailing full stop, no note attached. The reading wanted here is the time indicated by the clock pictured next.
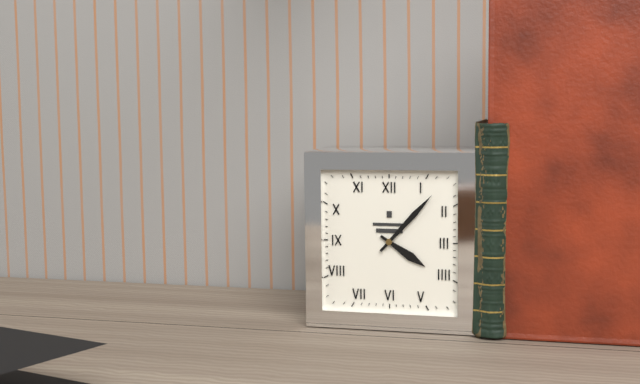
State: 4:07
